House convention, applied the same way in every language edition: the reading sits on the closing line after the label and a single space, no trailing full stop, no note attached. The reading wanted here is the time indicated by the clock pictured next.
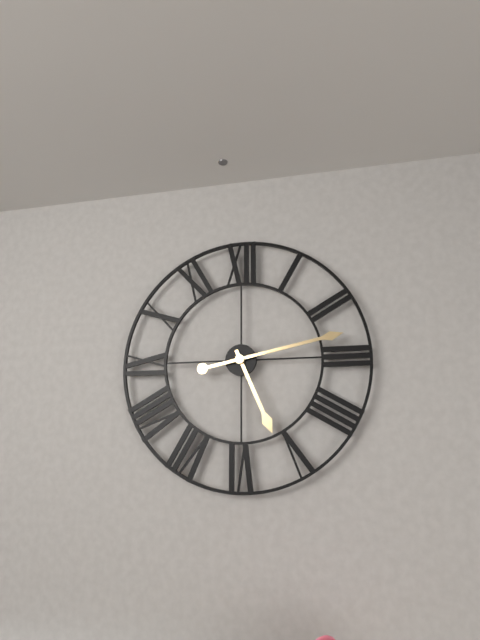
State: 5:13
